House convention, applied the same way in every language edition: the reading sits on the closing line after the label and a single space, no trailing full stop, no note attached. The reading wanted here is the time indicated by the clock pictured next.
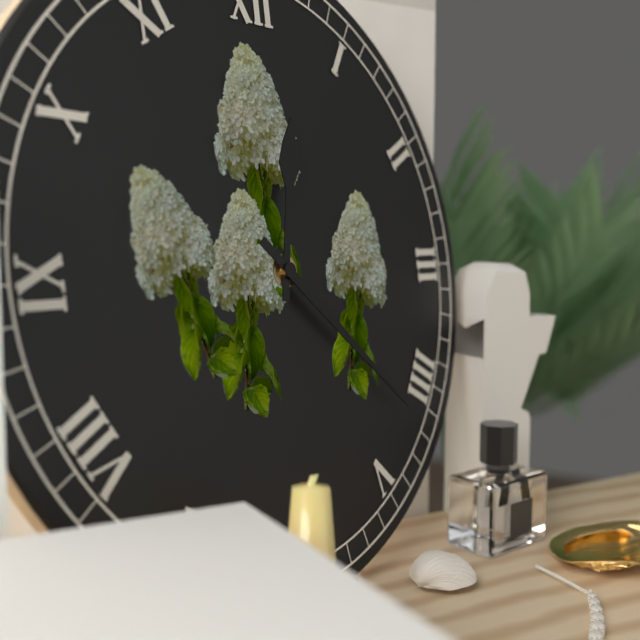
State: 12:22
